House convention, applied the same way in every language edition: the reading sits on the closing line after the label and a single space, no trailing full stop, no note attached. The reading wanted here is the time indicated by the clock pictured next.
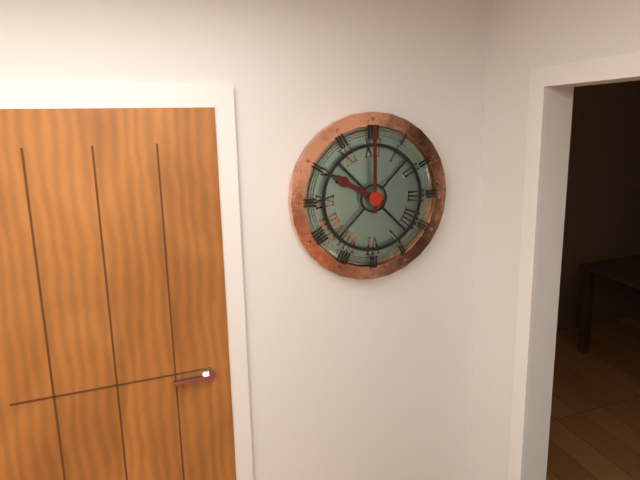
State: 10:00
